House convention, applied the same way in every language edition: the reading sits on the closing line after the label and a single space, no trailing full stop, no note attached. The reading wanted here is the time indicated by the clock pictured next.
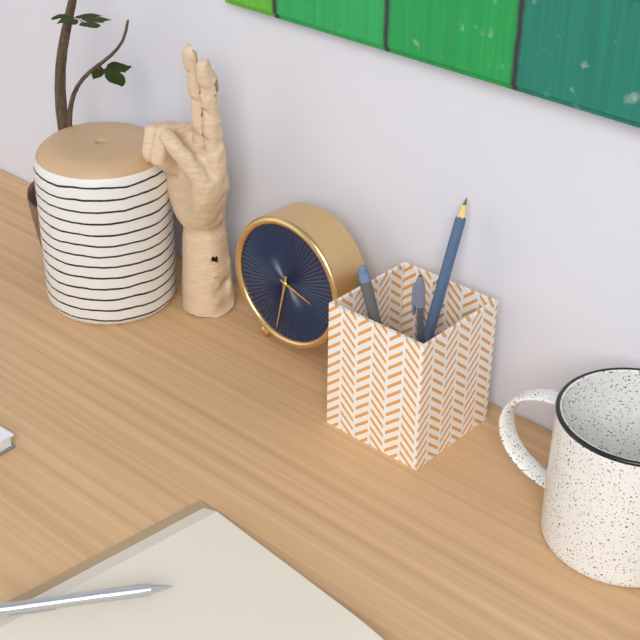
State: 3:32
